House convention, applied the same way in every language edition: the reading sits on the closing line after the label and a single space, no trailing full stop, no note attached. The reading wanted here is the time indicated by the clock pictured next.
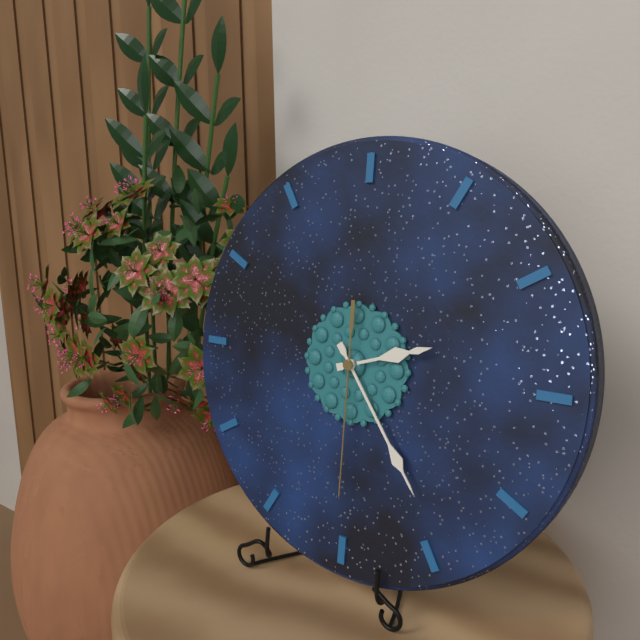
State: 2:24:30
